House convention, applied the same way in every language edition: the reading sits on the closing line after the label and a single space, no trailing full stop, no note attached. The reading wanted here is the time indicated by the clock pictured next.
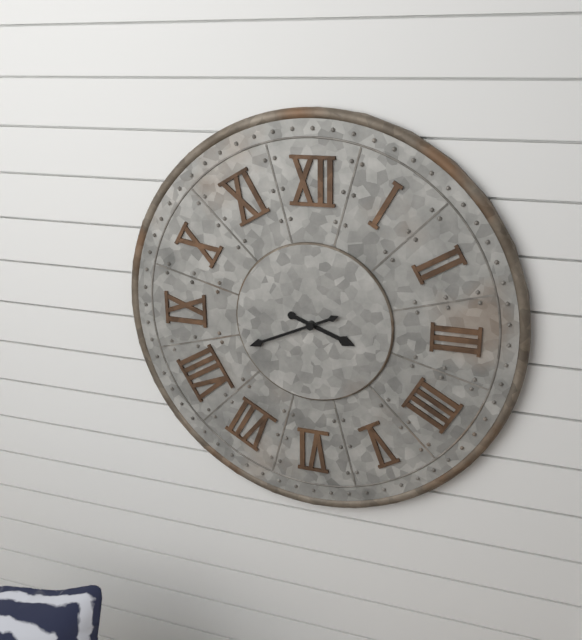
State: 3:41
